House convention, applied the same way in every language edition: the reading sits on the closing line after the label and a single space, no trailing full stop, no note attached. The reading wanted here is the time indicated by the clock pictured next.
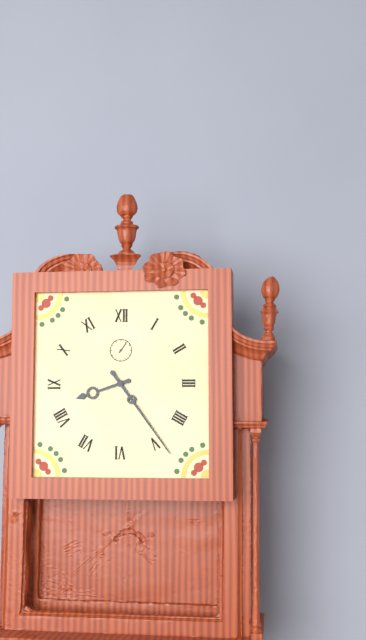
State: 8:24
